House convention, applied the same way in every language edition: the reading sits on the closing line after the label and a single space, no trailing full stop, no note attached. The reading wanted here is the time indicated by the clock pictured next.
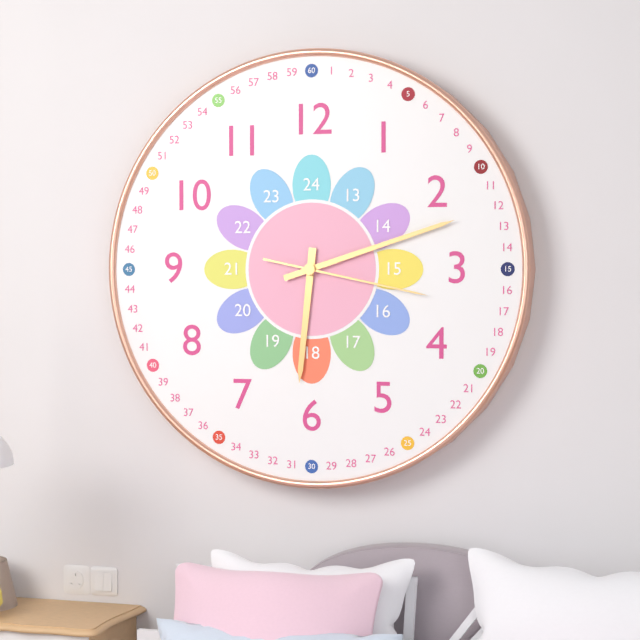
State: 6:12:17
